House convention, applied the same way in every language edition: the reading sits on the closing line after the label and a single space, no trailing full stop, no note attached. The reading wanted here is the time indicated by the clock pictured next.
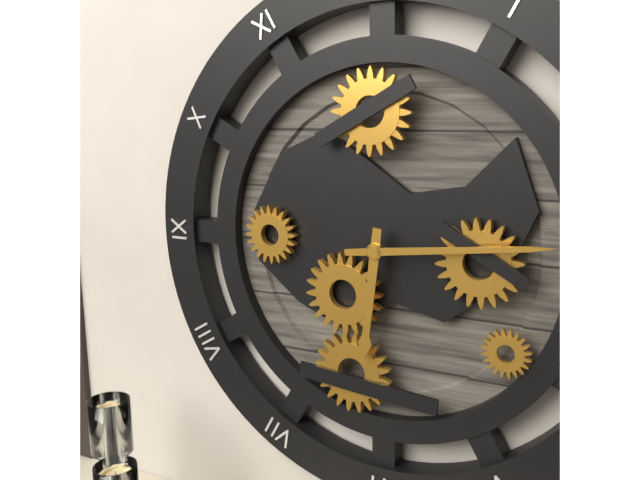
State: 6:14
